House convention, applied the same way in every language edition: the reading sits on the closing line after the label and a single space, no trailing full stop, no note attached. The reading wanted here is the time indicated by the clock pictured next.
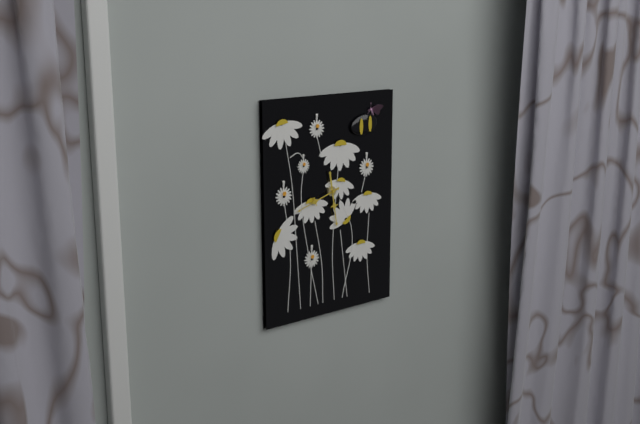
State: 5:42
